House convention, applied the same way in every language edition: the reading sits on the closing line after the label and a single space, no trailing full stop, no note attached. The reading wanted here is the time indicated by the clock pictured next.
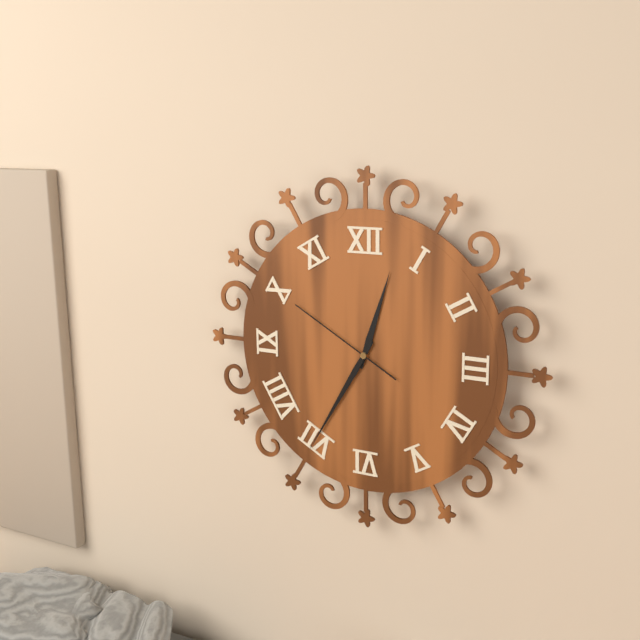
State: 12:35:50
